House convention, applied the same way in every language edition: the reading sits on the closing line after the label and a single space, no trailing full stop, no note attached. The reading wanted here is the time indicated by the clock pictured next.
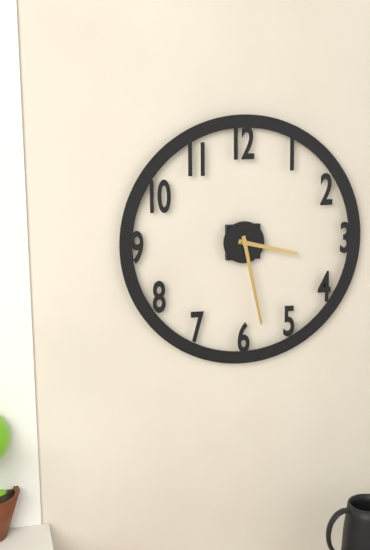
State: 3:28
